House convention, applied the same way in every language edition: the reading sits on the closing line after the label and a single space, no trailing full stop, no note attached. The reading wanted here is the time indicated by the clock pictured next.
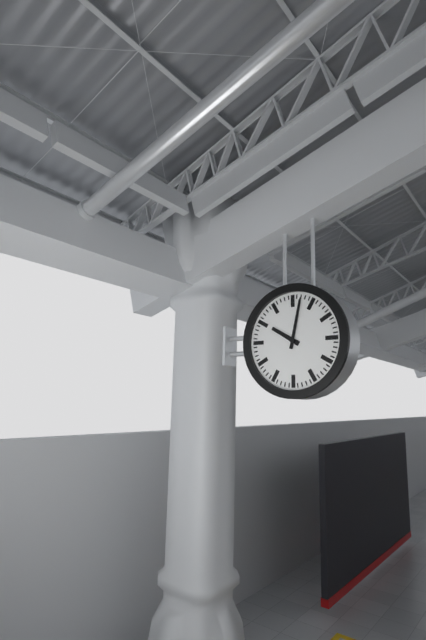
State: 10:02
